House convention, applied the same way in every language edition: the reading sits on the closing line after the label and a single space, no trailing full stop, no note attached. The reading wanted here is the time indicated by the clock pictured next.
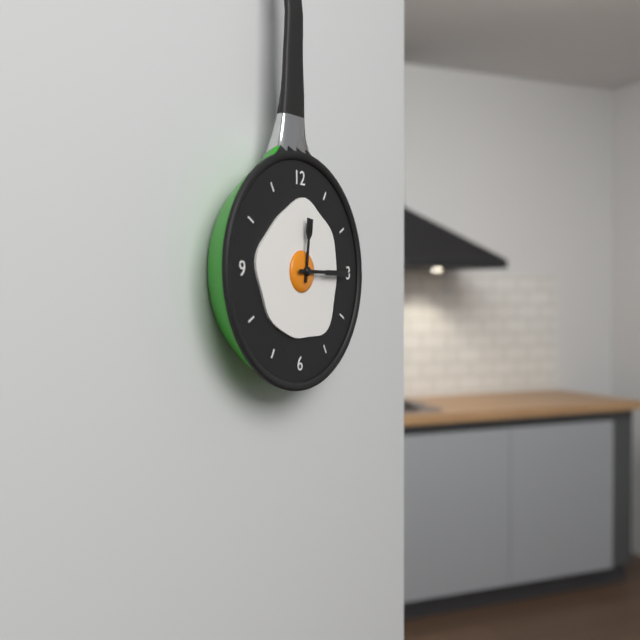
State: 12:15
